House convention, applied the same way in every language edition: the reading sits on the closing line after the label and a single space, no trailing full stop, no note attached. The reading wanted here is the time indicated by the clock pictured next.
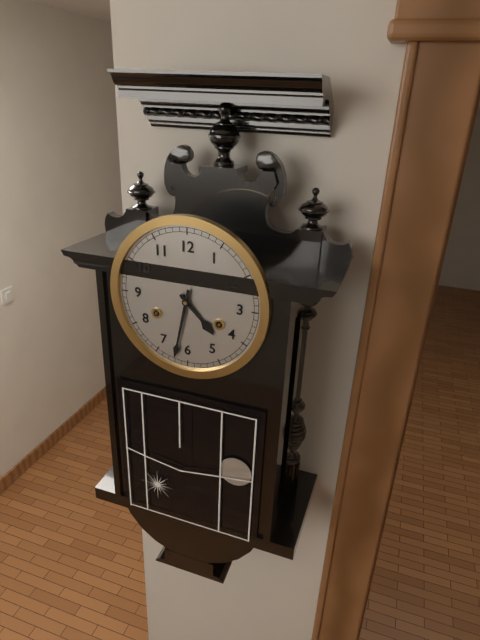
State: 4:32
